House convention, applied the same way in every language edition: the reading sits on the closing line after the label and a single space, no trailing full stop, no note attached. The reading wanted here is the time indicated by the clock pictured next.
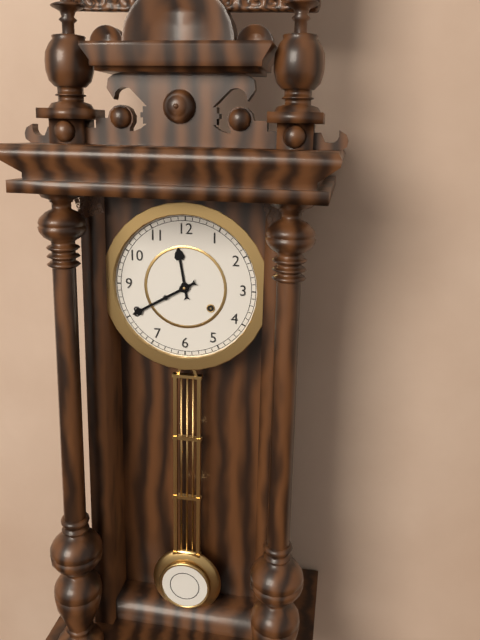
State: 11:40
